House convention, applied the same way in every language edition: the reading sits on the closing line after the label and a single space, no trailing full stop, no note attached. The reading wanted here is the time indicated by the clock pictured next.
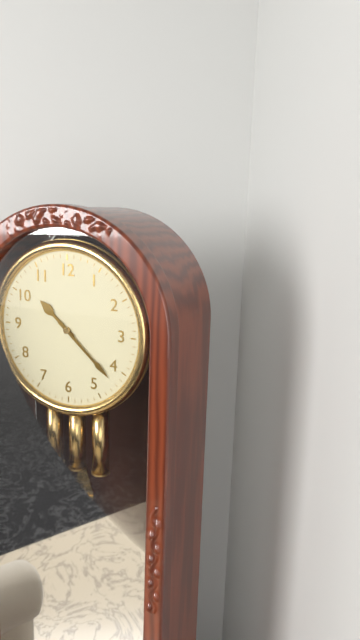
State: 10:22
